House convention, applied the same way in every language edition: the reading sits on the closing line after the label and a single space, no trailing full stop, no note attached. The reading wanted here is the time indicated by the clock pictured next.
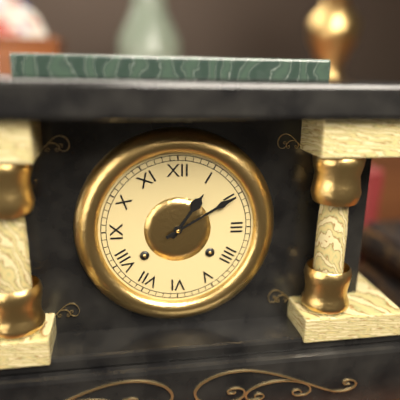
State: 1:10
